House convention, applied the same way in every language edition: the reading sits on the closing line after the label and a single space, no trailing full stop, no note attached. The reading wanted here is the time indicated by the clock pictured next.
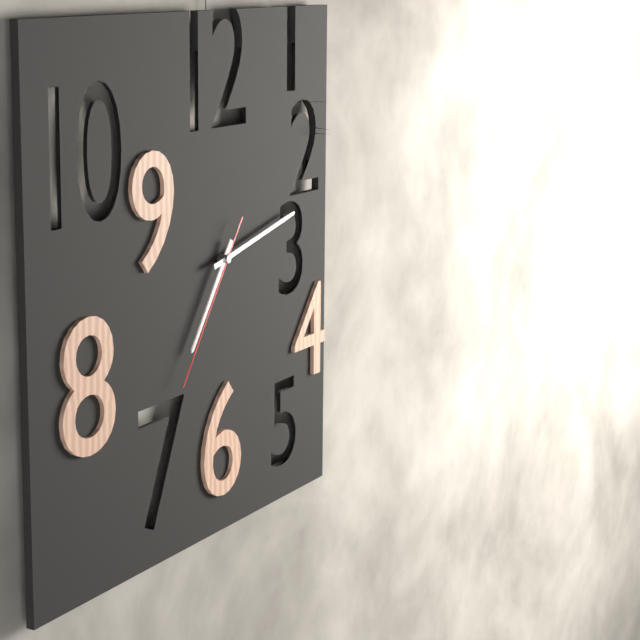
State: 7:13:36
